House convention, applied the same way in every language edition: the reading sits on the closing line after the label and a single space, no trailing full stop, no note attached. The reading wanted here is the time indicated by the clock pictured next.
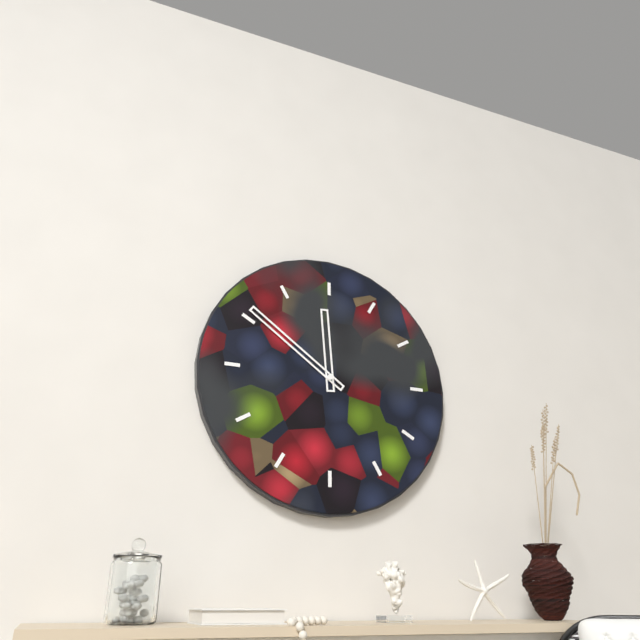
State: 11:51
